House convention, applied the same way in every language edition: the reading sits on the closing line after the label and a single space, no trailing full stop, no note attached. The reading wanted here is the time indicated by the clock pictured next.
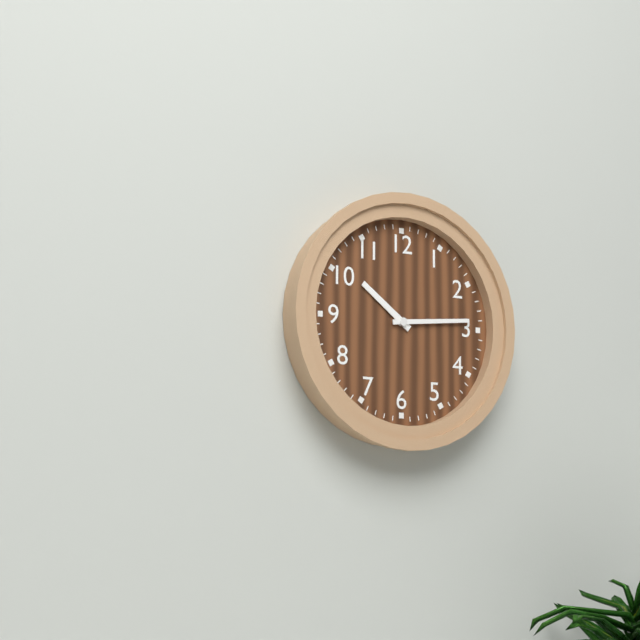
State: 10:14
